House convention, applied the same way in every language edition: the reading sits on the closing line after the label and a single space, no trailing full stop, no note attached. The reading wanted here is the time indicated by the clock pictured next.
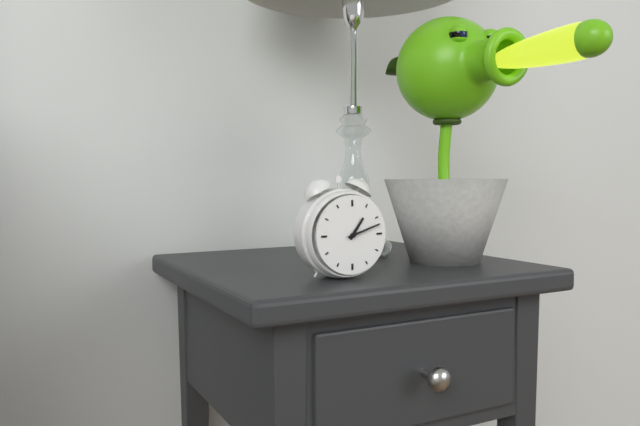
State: 1:12
